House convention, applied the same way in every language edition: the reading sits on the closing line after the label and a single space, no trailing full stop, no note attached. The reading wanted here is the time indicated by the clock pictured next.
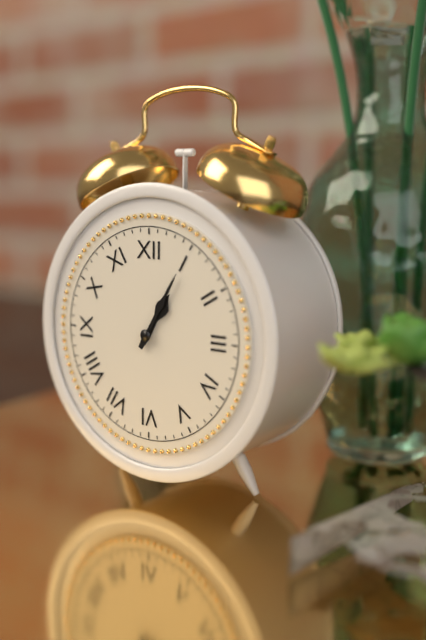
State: 1:05
